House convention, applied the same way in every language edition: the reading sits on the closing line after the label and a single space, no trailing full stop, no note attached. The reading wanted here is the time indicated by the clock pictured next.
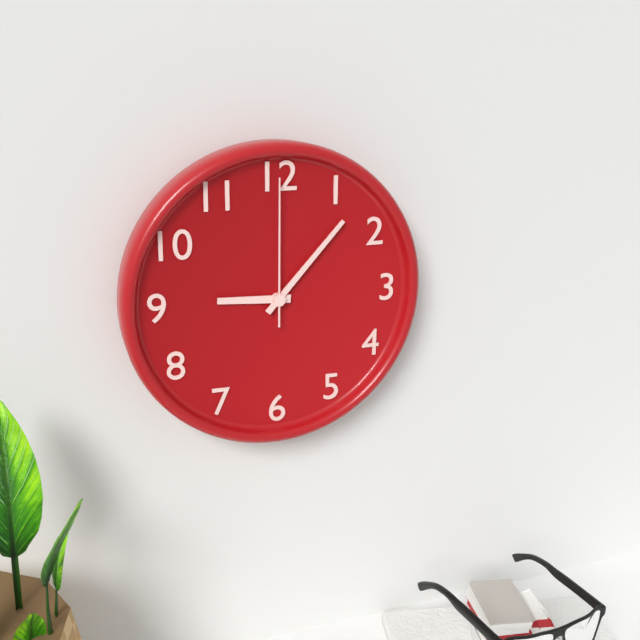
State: 9:07:00
